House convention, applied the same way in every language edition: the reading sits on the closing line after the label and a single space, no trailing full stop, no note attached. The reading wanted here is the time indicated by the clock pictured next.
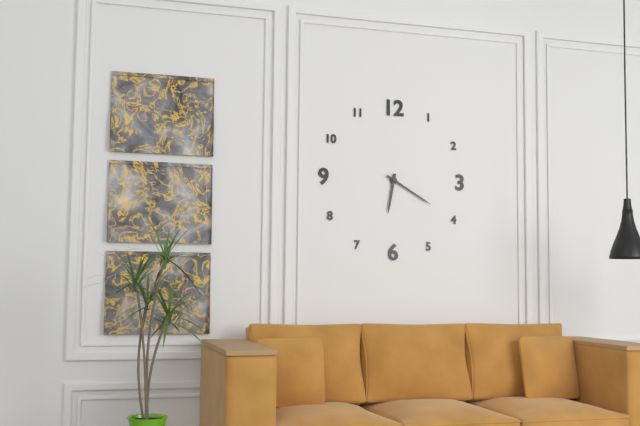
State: 6:20
